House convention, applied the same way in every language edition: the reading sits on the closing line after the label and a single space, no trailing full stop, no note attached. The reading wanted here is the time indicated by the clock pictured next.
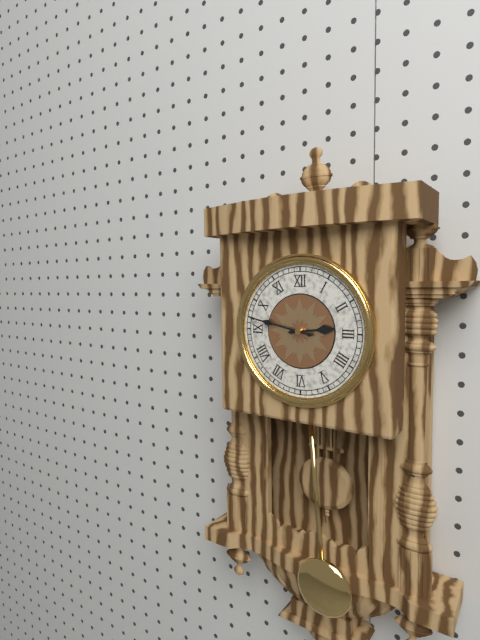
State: 2:47
